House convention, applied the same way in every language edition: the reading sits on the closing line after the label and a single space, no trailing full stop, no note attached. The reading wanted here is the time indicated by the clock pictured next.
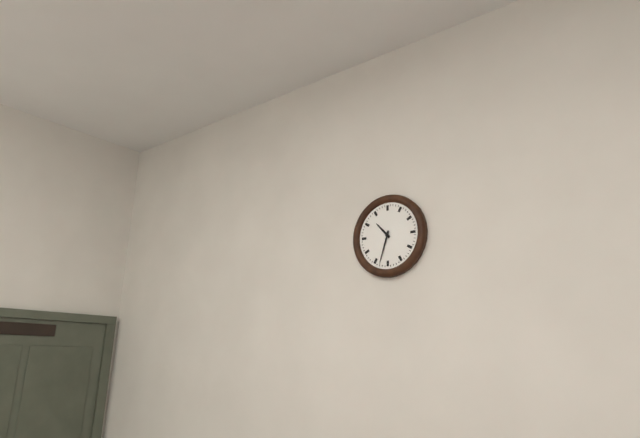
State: 10:33
